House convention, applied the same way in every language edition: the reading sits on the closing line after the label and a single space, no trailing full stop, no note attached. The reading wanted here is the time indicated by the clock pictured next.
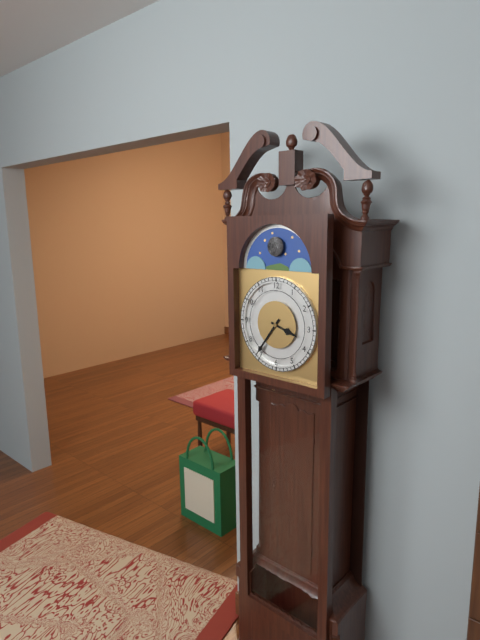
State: 3:36
